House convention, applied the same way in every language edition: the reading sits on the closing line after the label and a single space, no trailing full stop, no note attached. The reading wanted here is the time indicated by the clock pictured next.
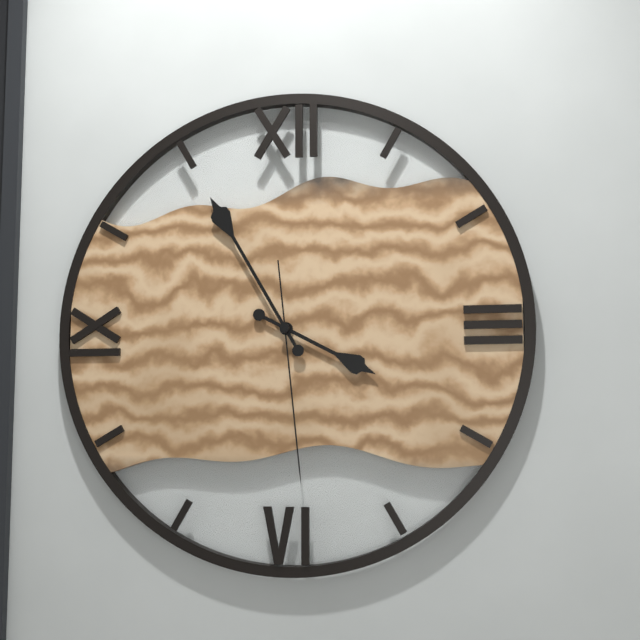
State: 3:55:29
